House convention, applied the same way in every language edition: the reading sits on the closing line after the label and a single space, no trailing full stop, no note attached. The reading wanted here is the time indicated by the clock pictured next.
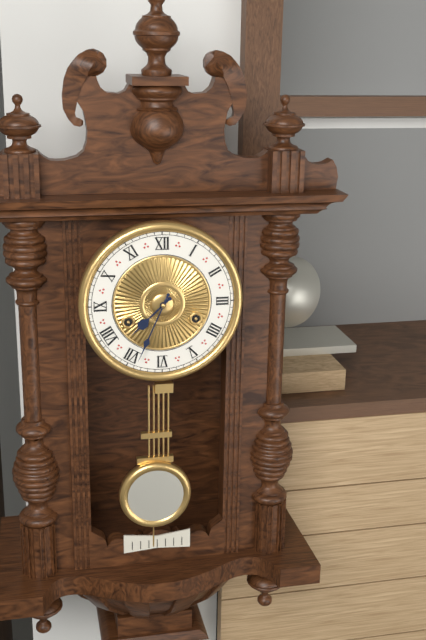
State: 7:34
